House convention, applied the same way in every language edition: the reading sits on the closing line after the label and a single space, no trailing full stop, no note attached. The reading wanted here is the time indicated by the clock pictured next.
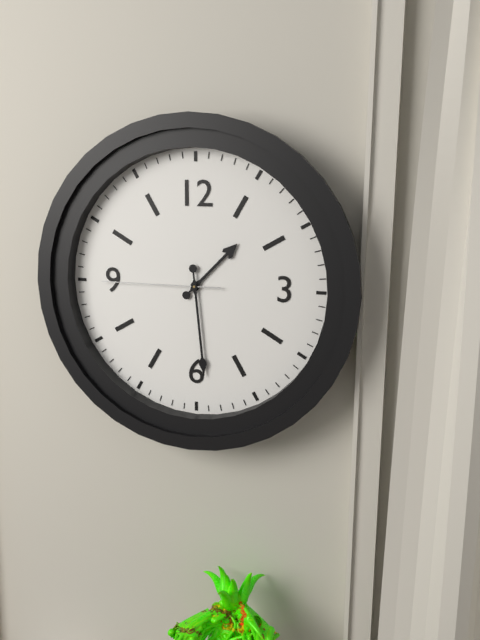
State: 1:29:45
